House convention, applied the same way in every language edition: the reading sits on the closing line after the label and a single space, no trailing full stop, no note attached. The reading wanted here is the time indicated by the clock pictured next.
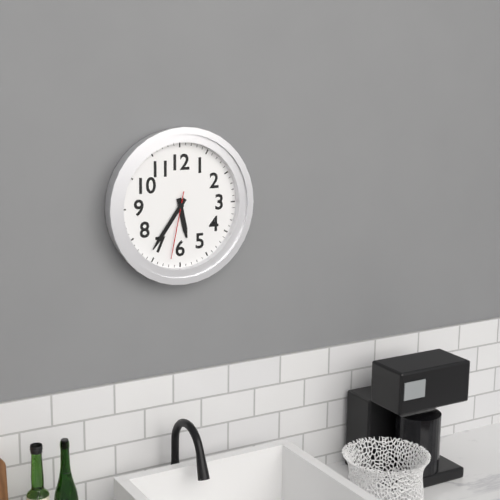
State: 5:36:32
